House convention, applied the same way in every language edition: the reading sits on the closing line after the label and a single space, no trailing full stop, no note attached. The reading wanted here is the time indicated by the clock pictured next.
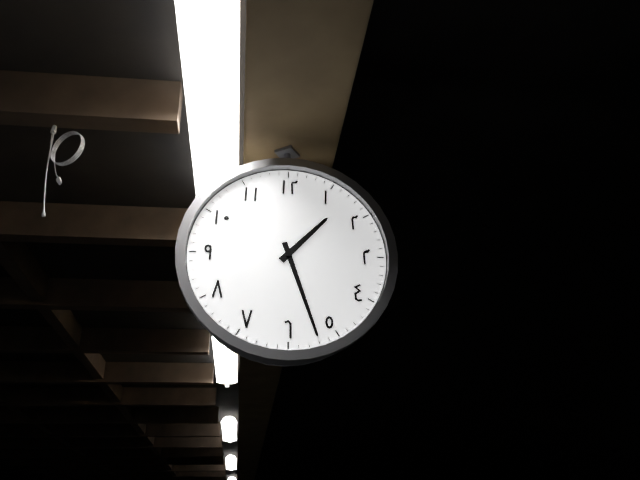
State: 1:27
